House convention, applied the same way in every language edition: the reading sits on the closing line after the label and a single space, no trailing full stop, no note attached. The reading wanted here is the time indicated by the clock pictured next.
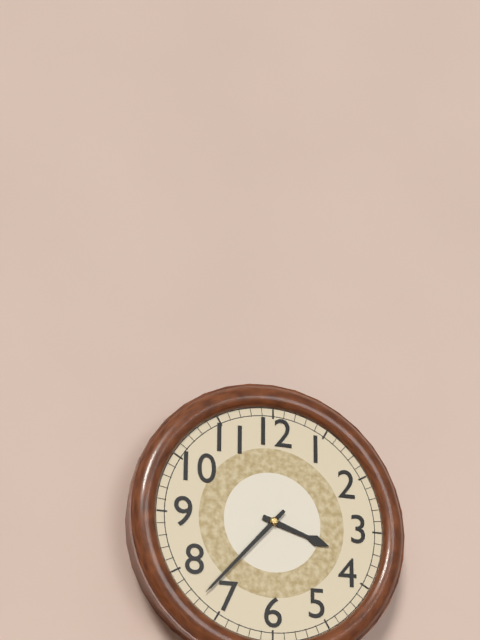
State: 3:37
